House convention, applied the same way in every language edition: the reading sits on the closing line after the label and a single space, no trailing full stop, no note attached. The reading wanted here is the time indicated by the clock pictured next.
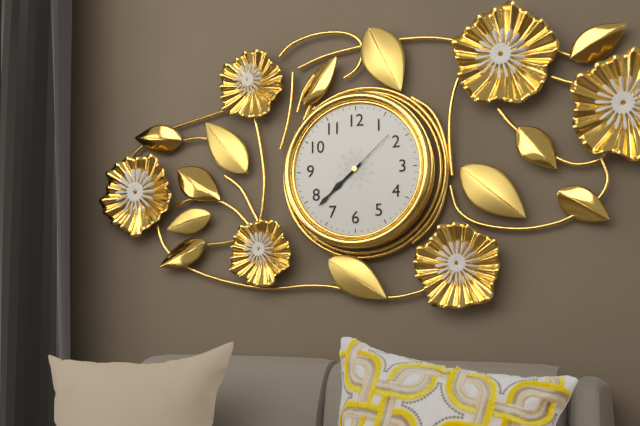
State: 7:38:08
